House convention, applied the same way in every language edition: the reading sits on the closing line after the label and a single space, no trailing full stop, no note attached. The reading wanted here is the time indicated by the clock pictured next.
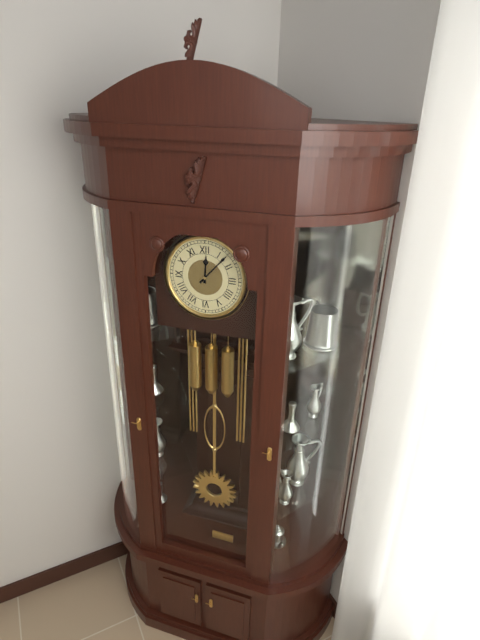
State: 12:07
